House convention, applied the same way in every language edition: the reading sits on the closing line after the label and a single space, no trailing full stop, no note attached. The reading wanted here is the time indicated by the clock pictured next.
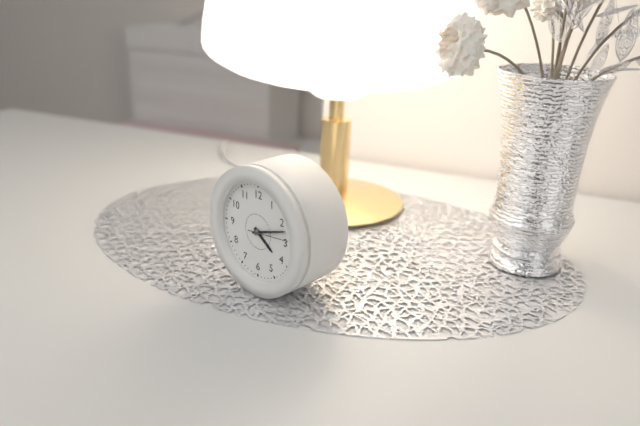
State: 4:12
